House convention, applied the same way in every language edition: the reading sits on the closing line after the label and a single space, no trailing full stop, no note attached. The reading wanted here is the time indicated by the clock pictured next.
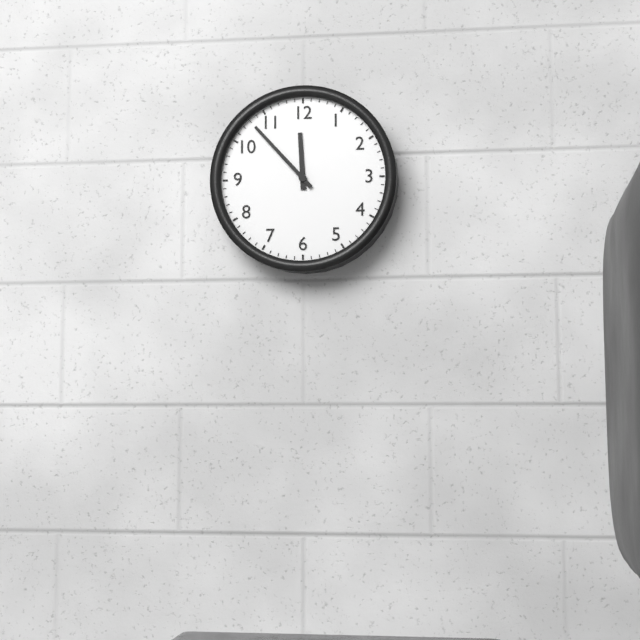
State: 11:53
